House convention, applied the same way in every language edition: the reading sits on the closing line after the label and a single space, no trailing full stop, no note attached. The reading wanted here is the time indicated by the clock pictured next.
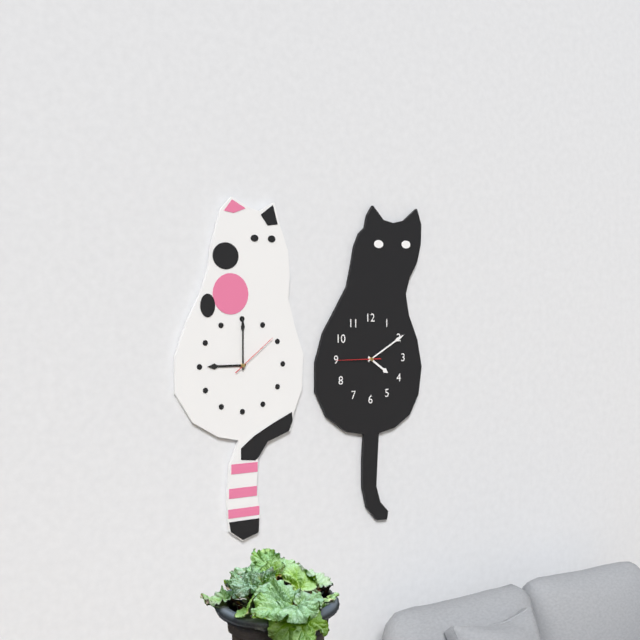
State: 4:10
